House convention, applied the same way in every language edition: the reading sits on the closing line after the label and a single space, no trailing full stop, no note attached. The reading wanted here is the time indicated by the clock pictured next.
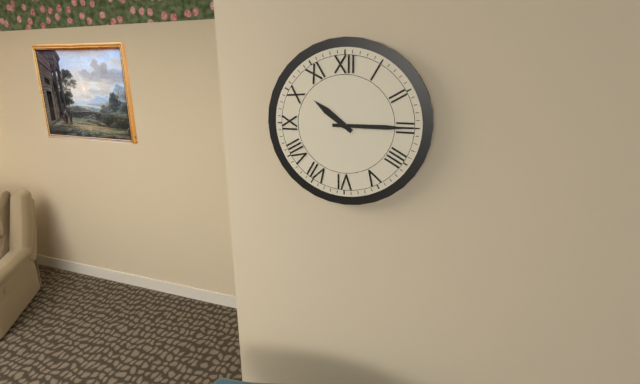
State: 10:15
